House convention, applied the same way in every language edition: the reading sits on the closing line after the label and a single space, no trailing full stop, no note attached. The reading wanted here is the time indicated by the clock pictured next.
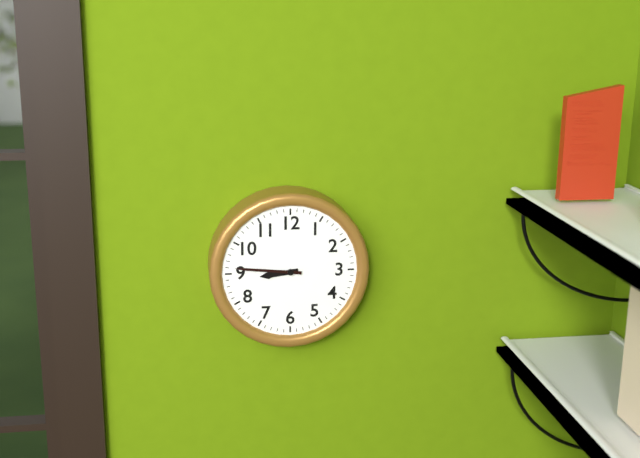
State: 8:46
